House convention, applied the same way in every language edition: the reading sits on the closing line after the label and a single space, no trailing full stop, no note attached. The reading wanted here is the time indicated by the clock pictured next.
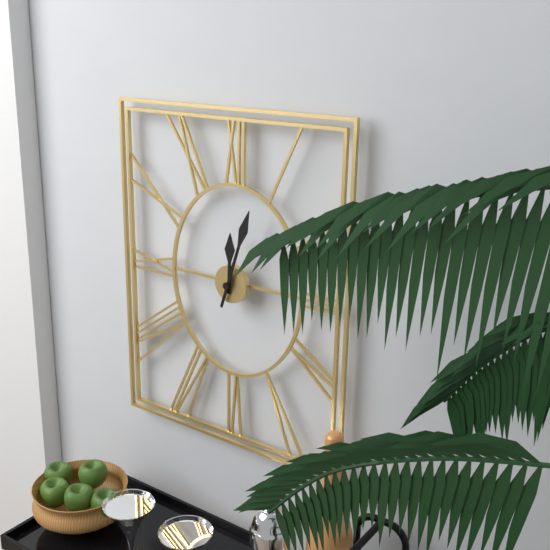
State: 12:03
